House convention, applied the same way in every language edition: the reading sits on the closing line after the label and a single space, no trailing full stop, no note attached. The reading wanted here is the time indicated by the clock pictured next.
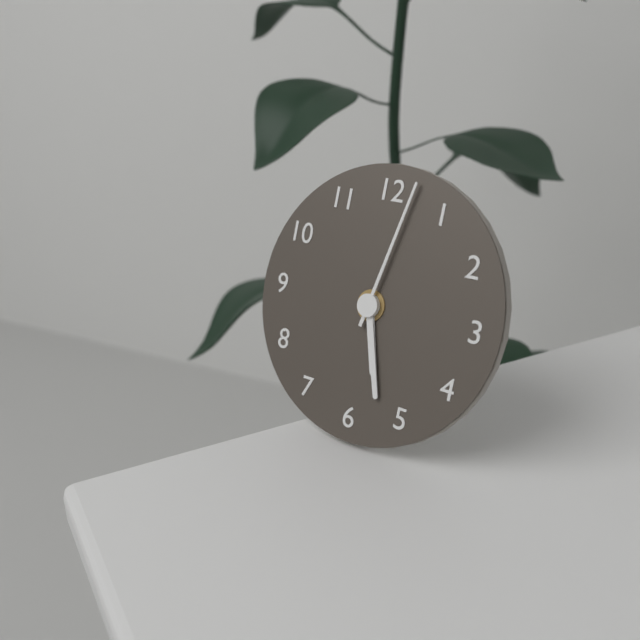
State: 5:27:02
